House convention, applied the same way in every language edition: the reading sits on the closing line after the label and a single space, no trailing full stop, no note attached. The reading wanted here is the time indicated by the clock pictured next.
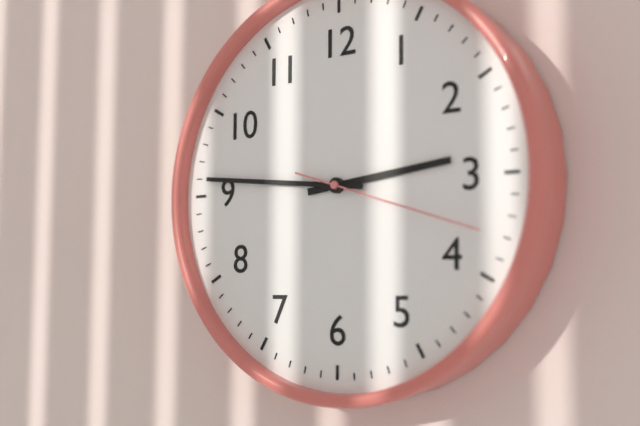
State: 2:46:18
